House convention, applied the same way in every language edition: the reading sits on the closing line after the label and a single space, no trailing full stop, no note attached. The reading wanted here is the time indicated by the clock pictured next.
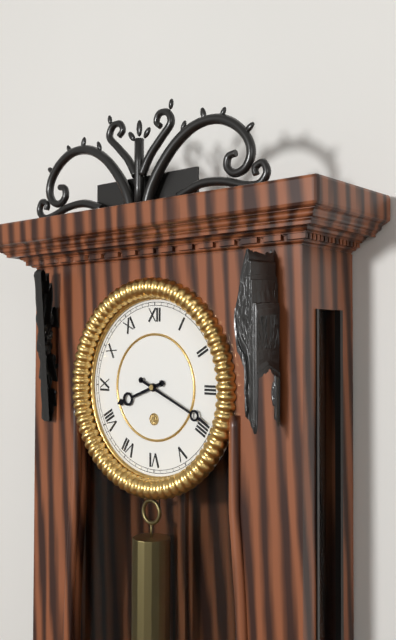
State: 8:19
